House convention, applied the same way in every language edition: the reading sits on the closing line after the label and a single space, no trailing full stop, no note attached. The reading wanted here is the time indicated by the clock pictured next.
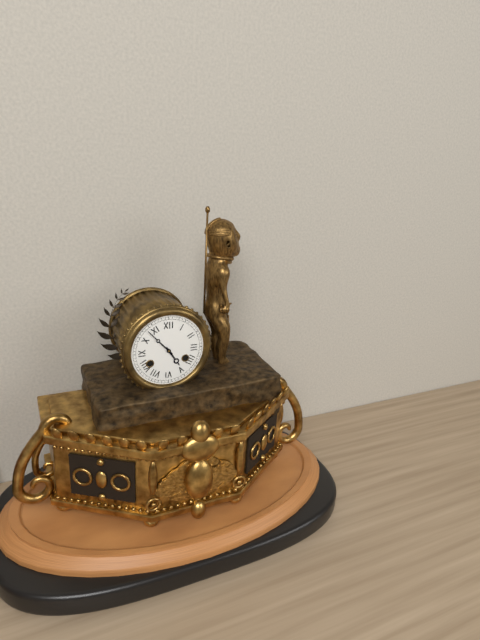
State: 4:53
